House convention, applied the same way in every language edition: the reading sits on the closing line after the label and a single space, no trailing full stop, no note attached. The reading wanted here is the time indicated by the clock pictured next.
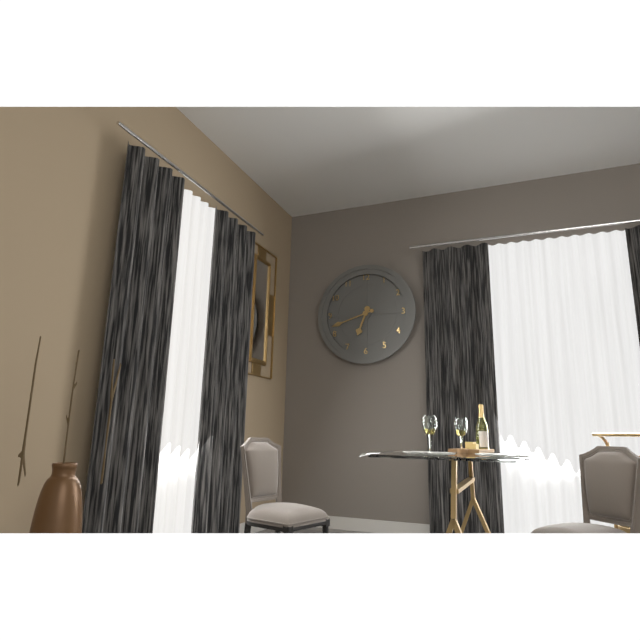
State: 6:42
